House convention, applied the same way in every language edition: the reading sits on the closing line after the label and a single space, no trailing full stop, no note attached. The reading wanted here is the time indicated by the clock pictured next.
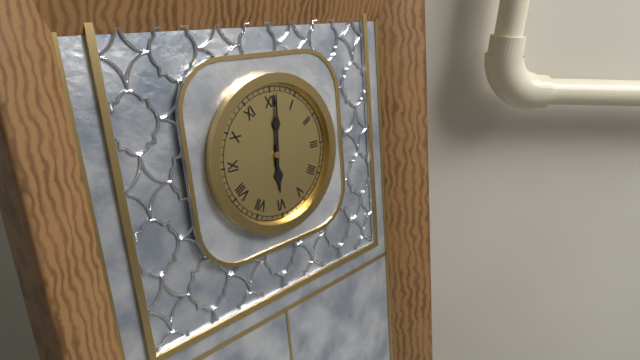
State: 6:01
